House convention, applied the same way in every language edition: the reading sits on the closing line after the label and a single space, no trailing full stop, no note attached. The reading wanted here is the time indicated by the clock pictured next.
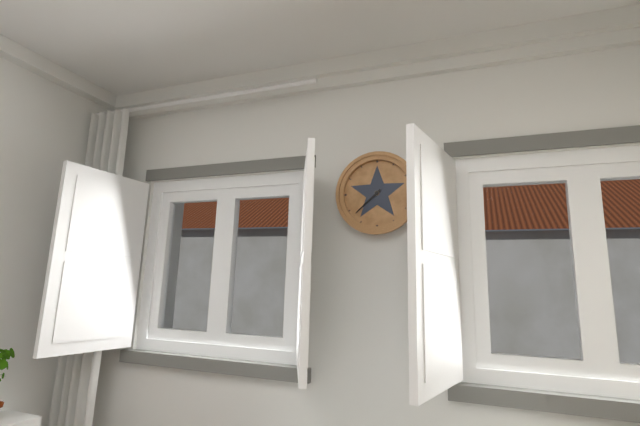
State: 7:38
